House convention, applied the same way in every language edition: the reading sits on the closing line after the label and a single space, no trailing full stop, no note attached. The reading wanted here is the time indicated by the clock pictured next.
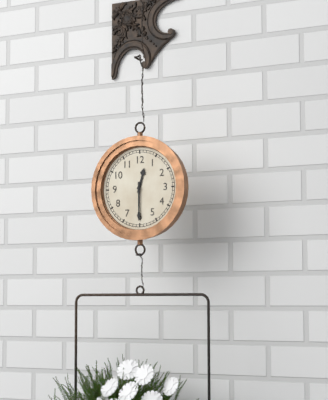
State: 12:30
